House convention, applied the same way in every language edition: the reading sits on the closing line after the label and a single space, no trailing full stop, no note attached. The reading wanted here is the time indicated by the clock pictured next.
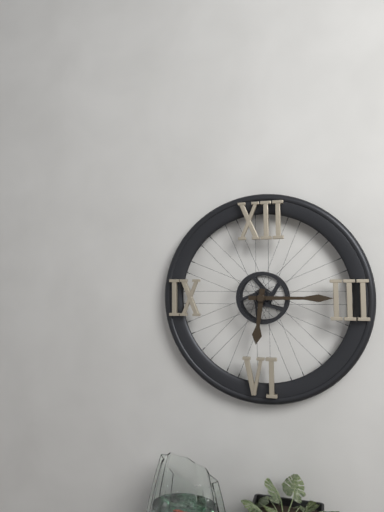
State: 6:15
